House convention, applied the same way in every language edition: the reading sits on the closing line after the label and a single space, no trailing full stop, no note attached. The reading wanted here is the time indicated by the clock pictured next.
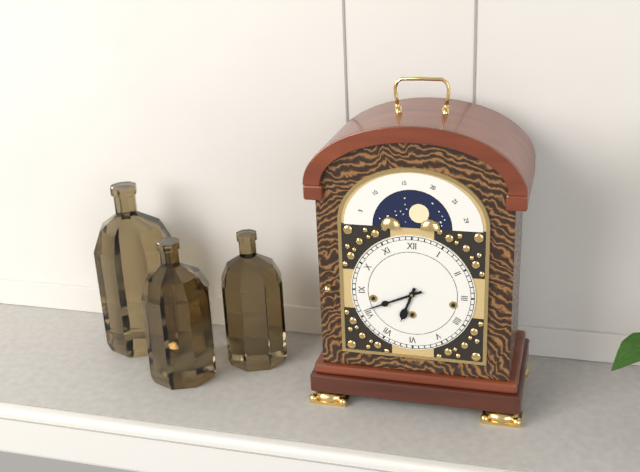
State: 6:41
